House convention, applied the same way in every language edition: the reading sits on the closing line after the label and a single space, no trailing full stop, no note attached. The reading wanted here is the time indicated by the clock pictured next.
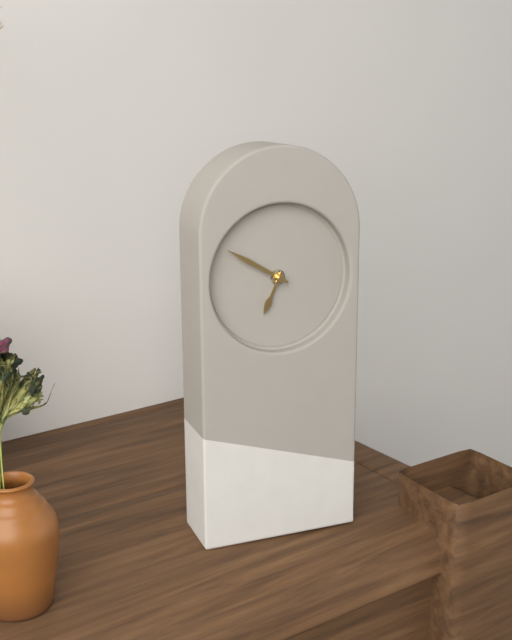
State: 6:50
